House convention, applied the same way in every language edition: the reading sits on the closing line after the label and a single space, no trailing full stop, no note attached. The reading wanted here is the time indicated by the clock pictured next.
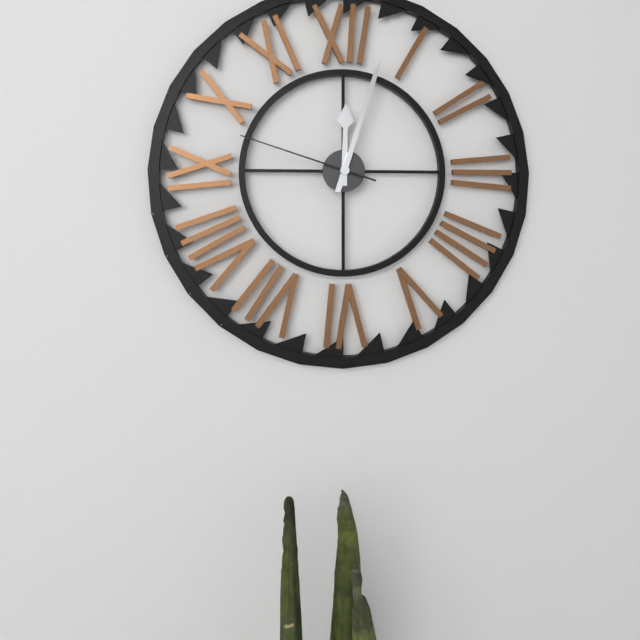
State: 12:03:48
